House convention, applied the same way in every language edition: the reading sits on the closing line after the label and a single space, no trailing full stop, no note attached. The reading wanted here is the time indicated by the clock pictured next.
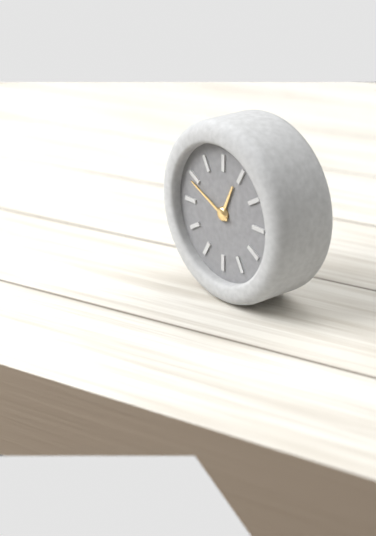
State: 12:49
